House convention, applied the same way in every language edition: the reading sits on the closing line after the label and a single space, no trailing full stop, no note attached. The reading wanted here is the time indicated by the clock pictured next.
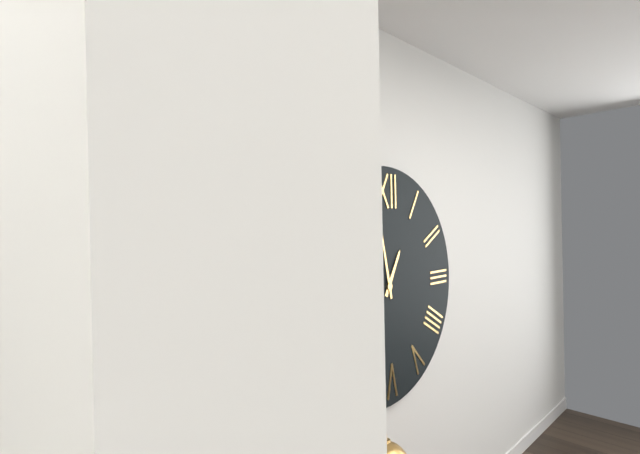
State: 12:58
